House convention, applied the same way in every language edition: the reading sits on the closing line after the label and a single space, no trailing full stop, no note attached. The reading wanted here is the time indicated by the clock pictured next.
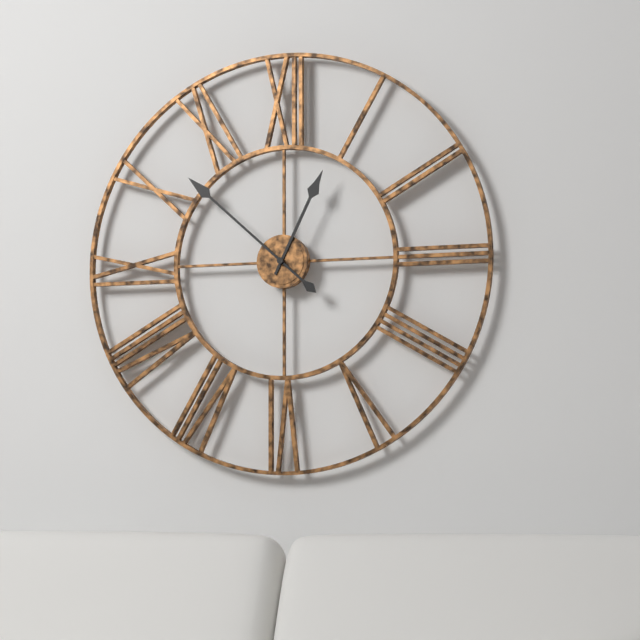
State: 12:52
